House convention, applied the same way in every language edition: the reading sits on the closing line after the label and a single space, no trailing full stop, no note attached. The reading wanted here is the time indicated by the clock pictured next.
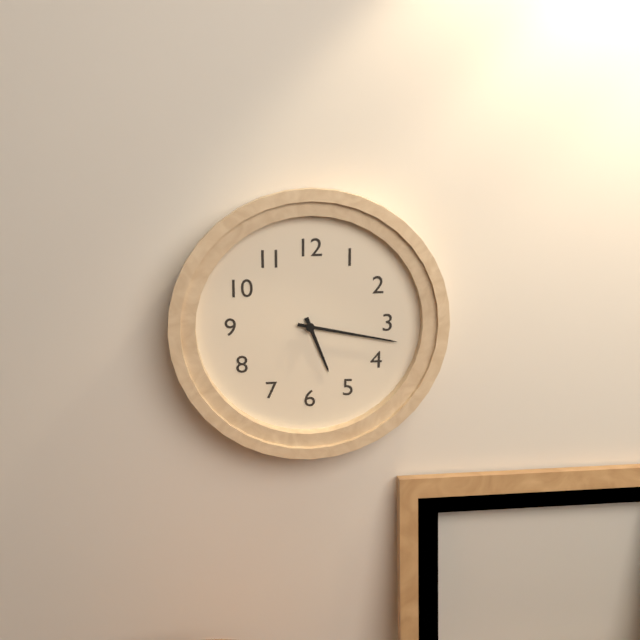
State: 5:17
